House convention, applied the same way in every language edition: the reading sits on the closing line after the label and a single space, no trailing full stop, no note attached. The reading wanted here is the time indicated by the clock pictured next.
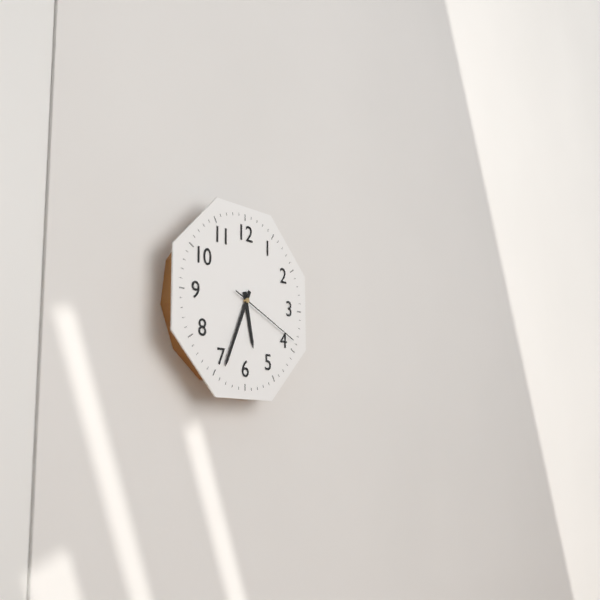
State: 5:34:19
